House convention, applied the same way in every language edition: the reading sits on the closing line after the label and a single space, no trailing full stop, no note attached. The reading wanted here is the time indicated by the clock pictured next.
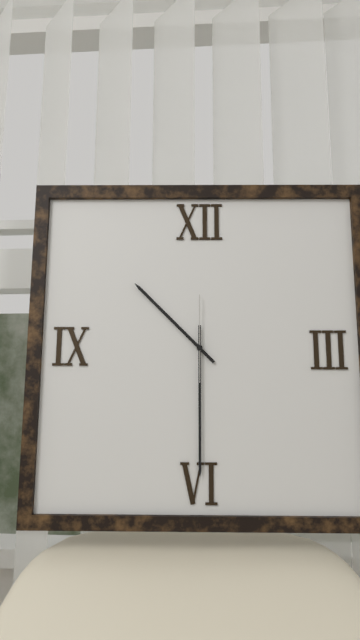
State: 10:30:00
